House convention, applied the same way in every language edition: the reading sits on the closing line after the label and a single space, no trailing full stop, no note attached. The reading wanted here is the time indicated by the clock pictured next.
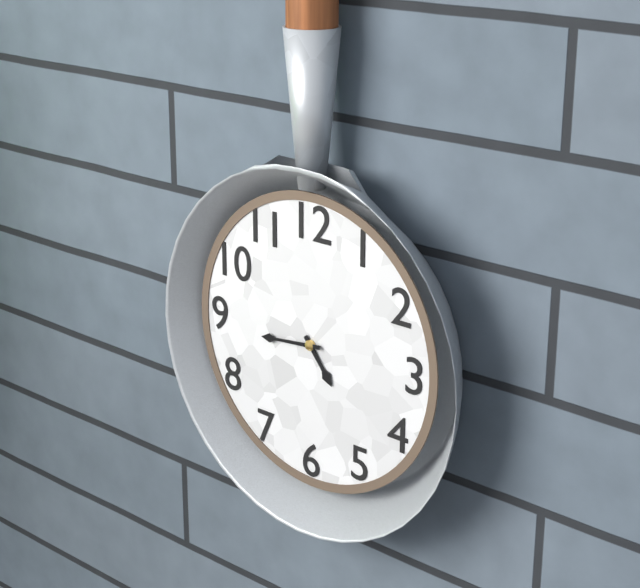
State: 4:44
